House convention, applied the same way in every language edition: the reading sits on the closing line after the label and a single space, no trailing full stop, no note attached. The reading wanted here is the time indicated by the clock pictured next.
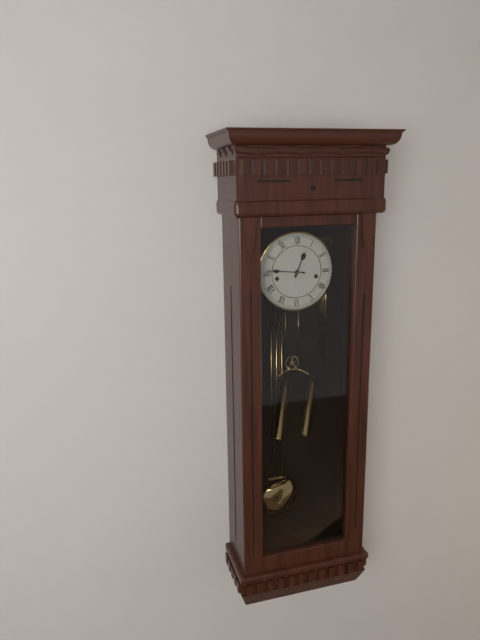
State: 12:46
